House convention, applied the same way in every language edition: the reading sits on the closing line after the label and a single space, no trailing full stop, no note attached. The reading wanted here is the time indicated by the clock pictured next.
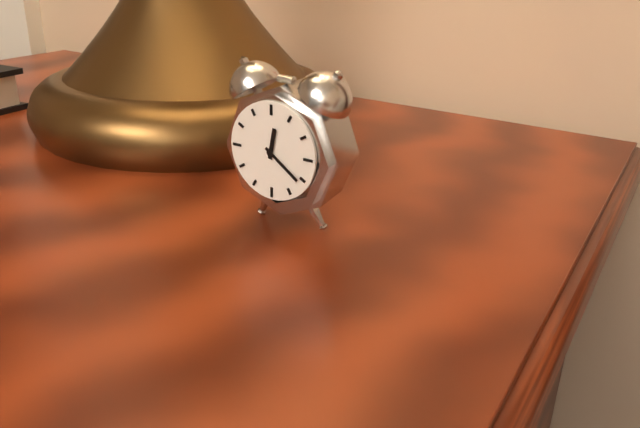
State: 12:21
